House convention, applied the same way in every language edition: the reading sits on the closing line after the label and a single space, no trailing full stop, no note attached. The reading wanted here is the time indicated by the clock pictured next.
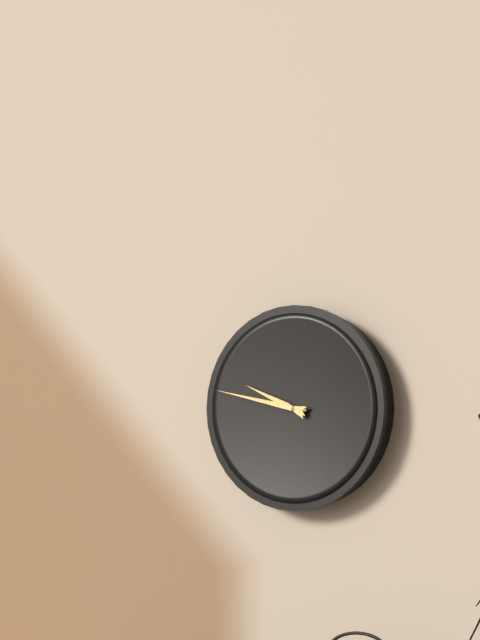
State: 9:47
